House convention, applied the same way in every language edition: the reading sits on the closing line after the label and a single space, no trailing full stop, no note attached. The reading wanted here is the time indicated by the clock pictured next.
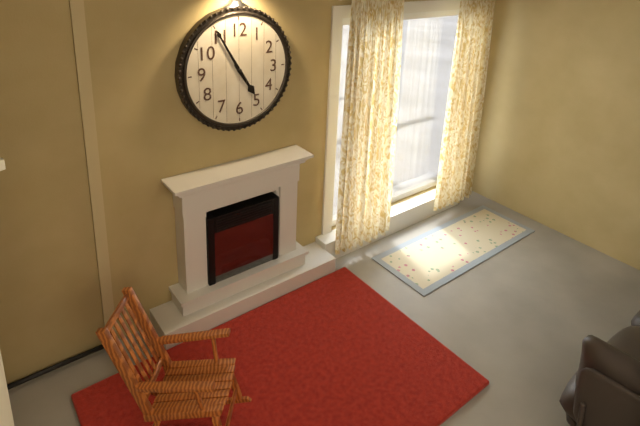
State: 4:55
